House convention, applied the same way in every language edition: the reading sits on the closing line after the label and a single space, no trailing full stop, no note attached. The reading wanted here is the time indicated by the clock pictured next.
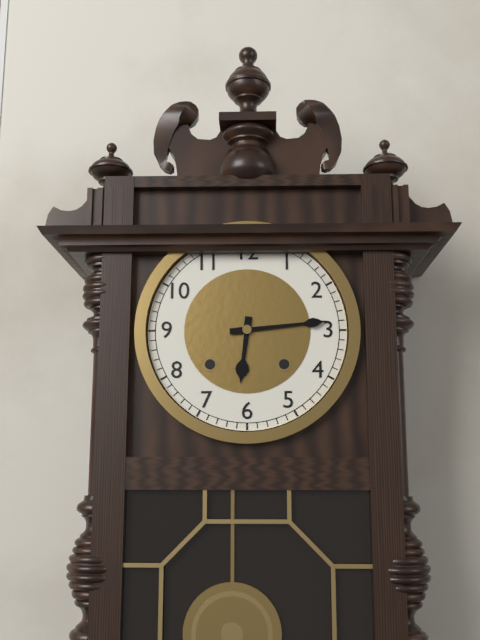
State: 6:14
